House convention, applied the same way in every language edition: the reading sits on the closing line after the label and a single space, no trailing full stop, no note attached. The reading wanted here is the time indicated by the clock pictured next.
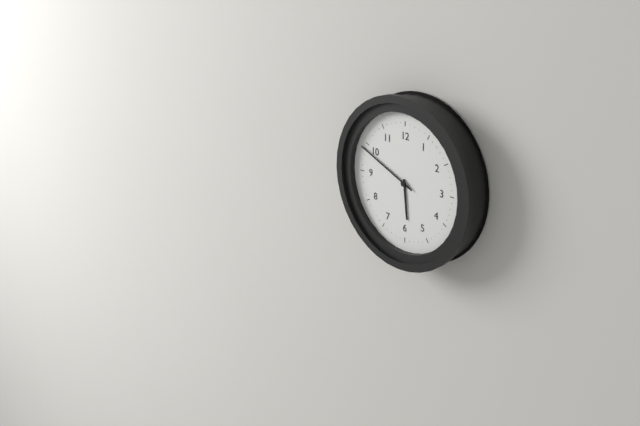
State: 5:49
